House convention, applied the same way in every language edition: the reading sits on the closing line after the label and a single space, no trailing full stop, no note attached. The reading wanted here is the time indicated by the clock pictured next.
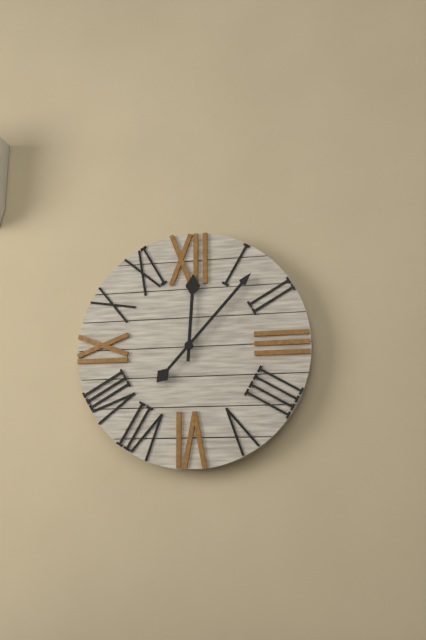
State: 12:07
